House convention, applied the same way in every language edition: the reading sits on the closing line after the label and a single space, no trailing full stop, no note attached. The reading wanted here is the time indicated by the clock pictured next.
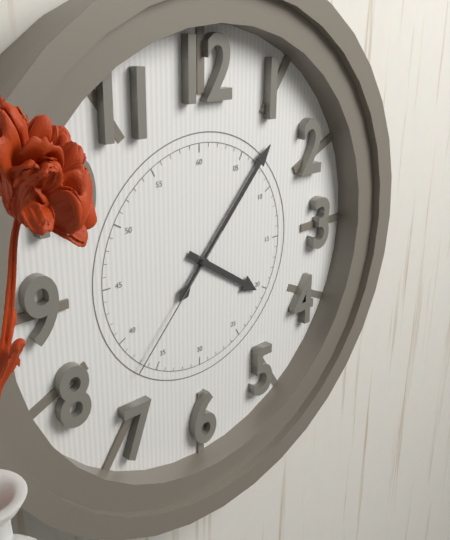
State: 4:07:37
